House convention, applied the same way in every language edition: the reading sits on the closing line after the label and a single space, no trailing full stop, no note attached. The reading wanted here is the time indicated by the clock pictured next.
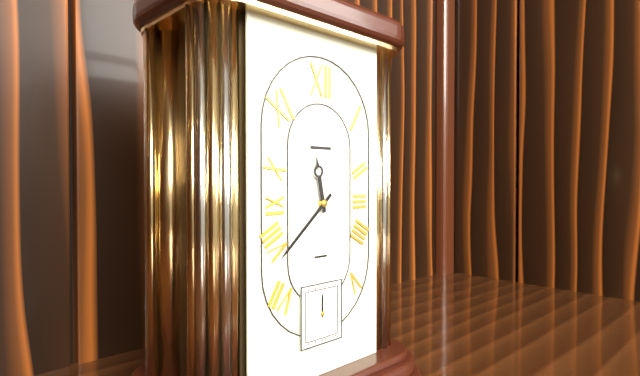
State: 11:38
